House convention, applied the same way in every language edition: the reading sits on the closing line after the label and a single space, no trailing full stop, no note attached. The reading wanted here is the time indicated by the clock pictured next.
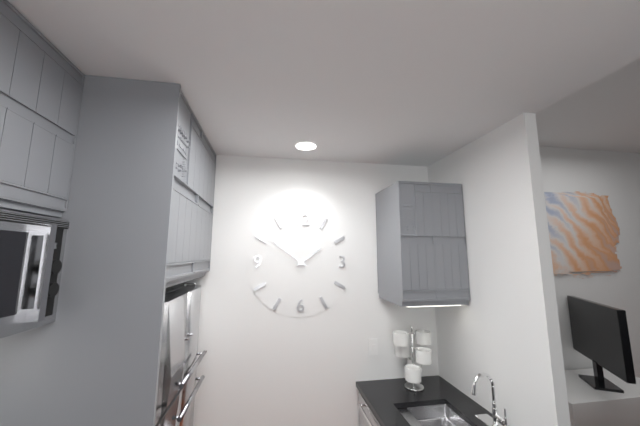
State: 1:51
